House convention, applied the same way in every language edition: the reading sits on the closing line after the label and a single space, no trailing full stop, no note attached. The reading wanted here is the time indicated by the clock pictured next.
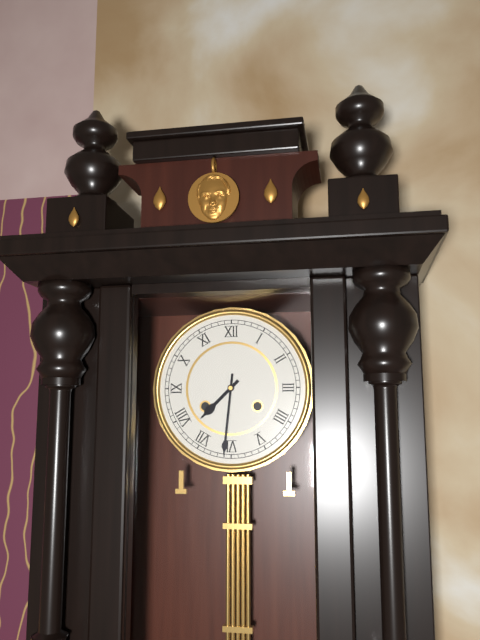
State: 7:31
